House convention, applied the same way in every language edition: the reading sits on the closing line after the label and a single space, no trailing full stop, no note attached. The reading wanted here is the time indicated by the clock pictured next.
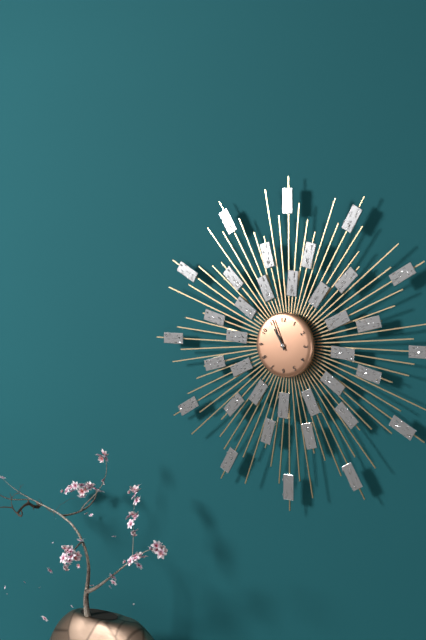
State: 10:56
